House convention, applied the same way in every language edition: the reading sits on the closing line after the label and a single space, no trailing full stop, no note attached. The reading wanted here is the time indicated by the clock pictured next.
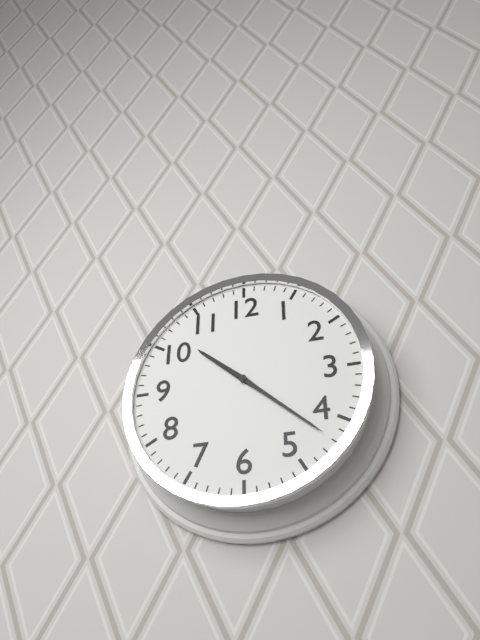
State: 10:22
